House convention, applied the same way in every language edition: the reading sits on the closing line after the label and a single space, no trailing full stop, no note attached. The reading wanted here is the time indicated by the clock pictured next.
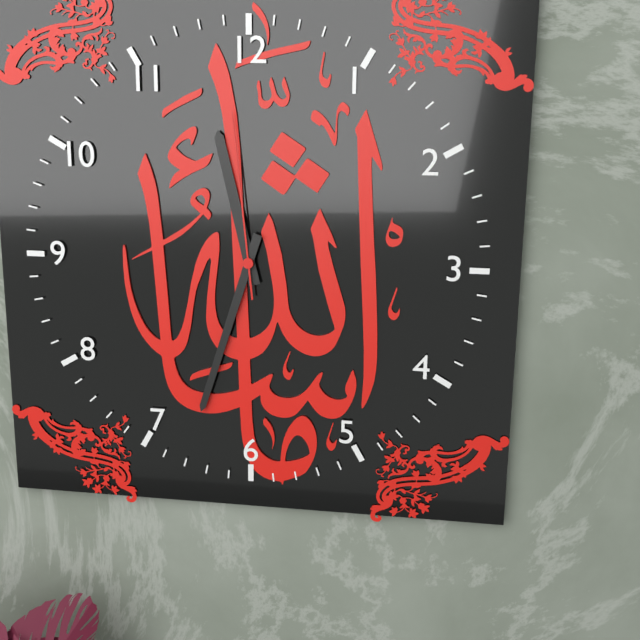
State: 11:33:59
